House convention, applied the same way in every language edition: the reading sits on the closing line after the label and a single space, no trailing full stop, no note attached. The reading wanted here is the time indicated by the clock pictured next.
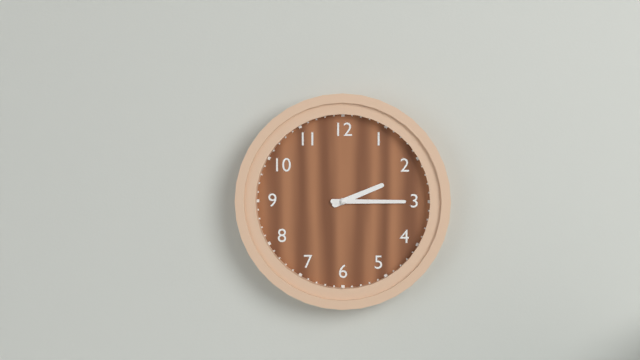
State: 2:15
